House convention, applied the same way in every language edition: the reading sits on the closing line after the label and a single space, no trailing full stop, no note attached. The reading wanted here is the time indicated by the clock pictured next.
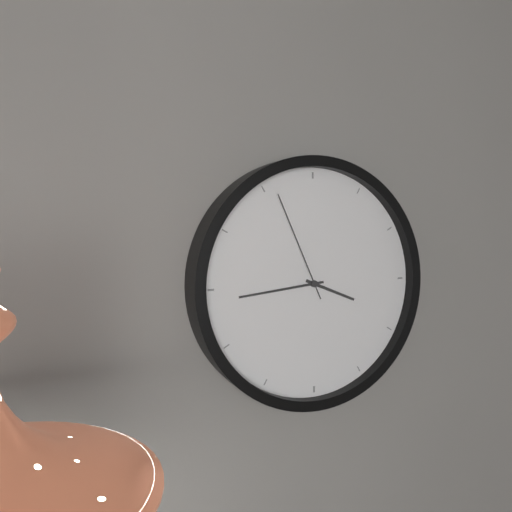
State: 3:44:56
